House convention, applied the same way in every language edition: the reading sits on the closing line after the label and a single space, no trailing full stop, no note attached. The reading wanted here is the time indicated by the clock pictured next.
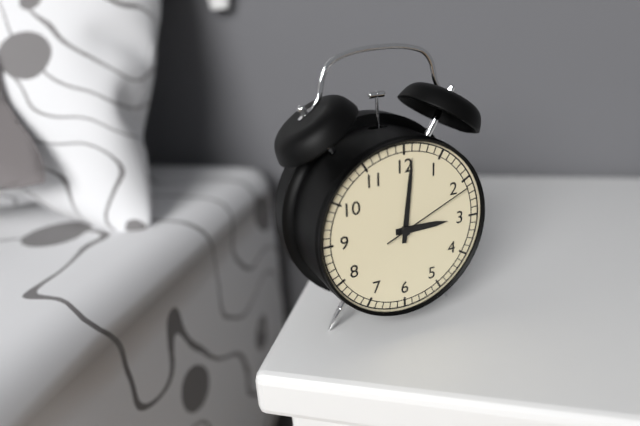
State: 3:01:11
